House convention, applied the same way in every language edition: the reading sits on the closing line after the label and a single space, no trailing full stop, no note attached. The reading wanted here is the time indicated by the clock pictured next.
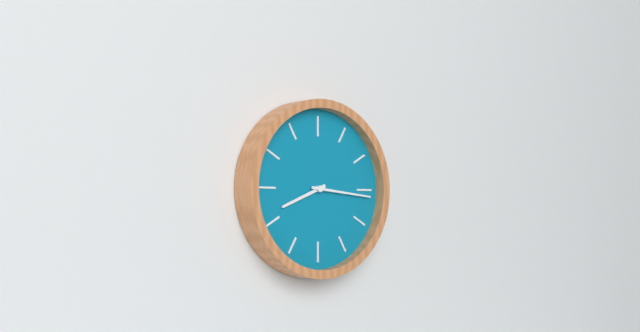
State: 8:16
